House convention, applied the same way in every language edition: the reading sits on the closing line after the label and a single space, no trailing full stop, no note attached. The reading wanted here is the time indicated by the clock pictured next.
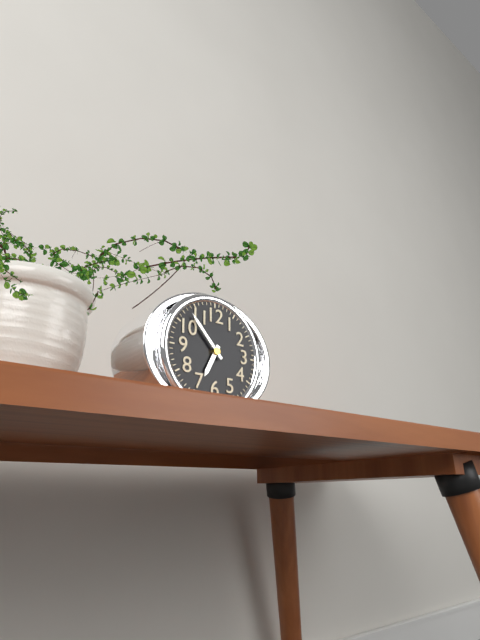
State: 6:53
